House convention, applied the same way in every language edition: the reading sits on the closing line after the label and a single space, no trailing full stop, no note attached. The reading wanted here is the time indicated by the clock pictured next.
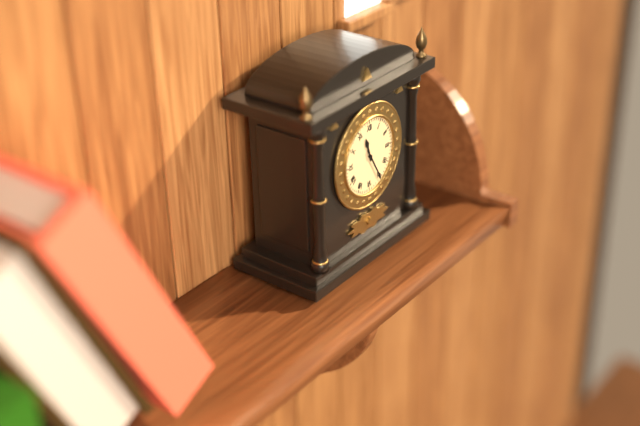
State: 11:25
